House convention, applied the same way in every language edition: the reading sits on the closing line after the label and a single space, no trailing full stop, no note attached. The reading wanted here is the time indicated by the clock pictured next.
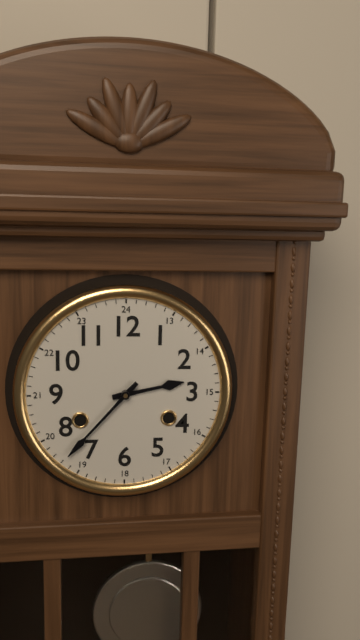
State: 2:37
